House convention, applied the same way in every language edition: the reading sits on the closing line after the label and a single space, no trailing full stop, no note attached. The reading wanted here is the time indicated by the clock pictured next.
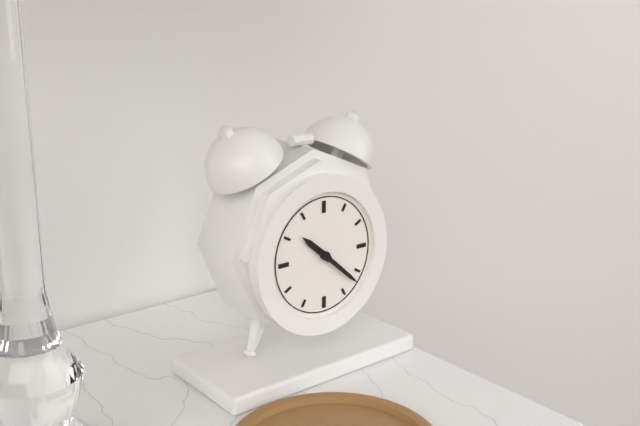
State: 10:22
